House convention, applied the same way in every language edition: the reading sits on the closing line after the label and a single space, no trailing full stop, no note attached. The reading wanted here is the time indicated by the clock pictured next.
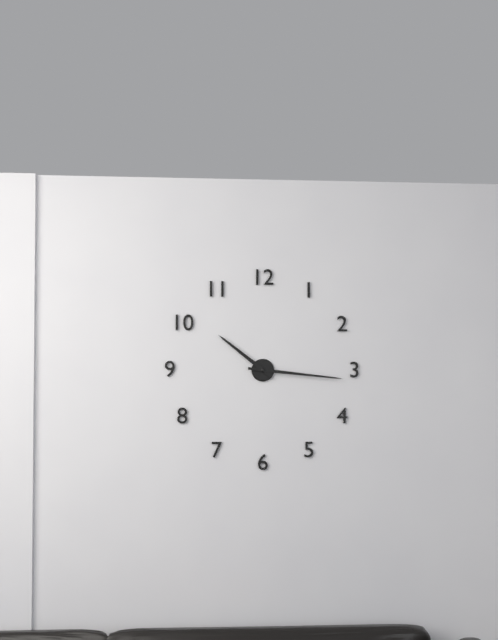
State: 10:16
